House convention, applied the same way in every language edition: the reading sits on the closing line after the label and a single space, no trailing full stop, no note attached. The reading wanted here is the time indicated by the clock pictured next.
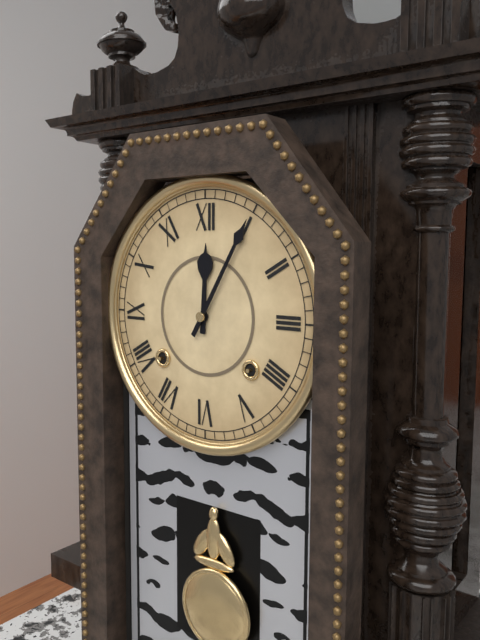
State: 12:05
